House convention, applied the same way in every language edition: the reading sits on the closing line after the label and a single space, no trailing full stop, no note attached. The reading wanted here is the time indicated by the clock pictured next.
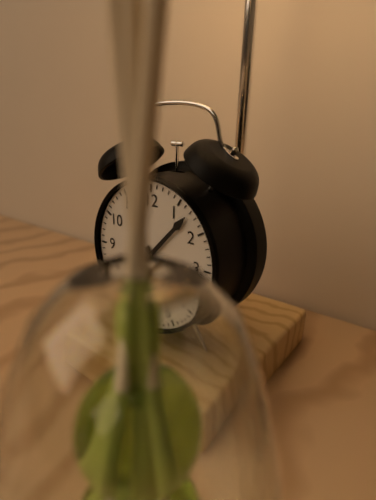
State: 5:07
